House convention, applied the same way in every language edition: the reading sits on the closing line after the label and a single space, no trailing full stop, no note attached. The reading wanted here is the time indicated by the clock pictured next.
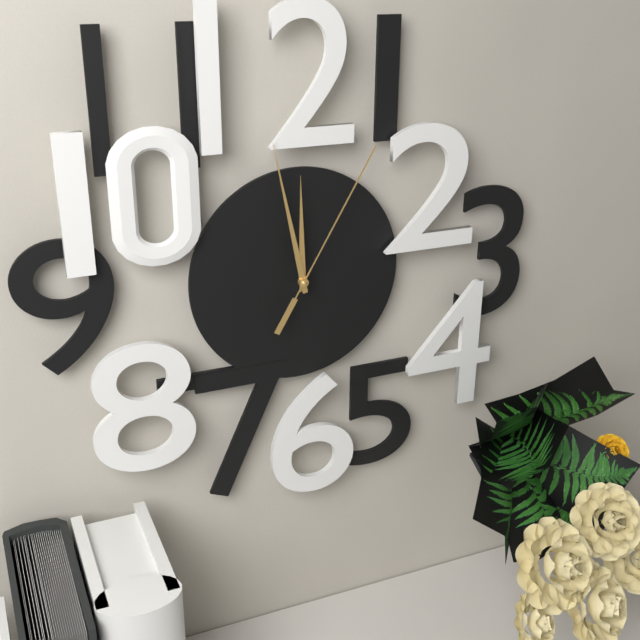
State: 11:58:05
